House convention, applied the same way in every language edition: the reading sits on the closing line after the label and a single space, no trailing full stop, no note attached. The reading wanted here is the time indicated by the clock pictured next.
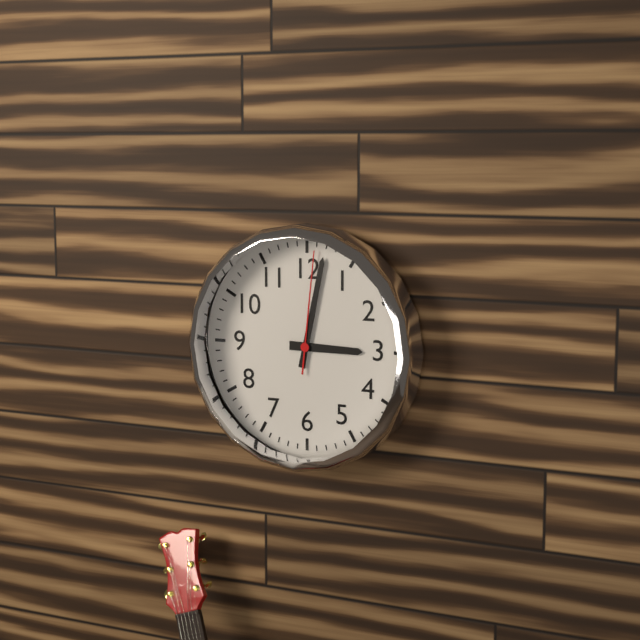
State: 3:02:01
